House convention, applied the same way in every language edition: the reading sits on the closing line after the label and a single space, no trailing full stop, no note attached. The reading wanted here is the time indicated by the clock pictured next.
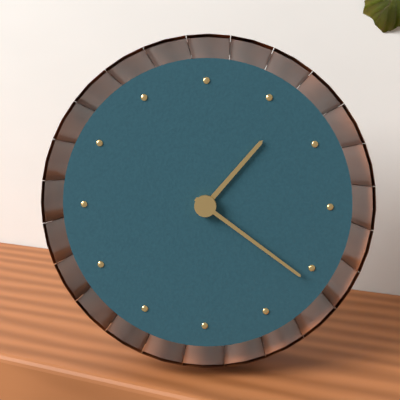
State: 1:21
